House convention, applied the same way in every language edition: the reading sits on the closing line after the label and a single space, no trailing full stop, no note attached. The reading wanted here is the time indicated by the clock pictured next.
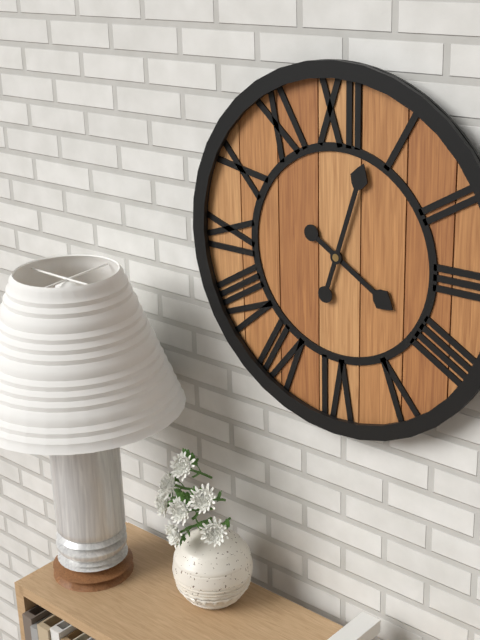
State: 4:03
